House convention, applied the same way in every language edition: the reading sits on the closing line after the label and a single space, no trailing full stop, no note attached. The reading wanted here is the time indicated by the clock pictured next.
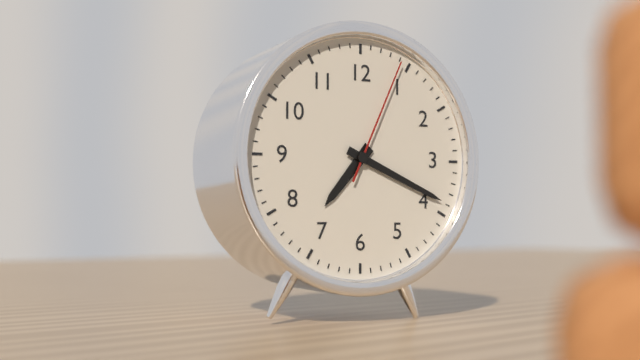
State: 7:19:04
